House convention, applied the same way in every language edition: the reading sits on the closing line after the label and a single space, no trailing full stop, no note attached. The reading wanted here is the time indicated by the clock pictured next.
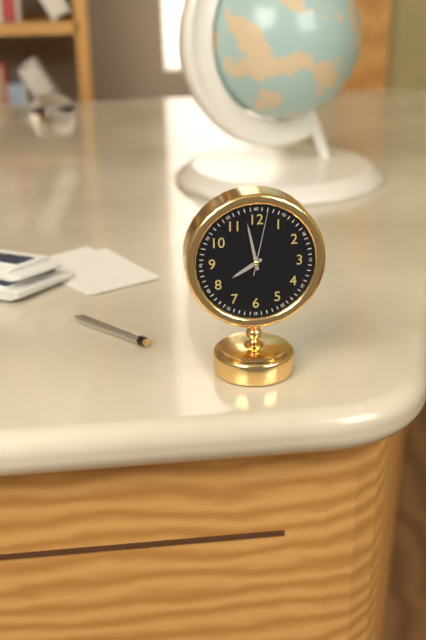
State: 7:58:02
